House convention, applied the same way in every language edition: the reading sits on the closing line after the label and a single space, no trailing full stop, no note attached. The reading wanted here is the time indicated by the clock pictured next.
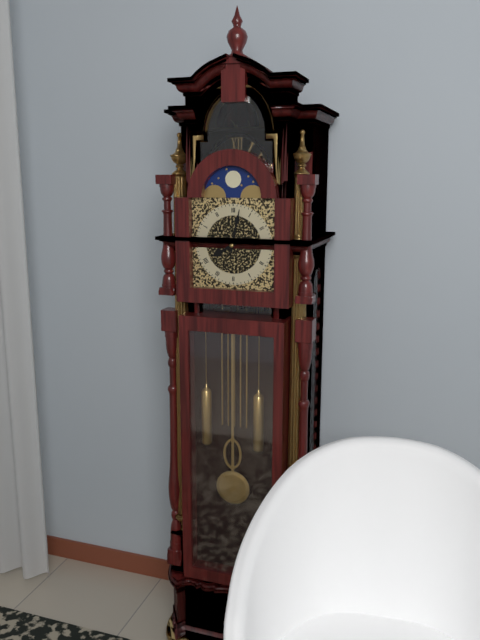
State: 8:02
